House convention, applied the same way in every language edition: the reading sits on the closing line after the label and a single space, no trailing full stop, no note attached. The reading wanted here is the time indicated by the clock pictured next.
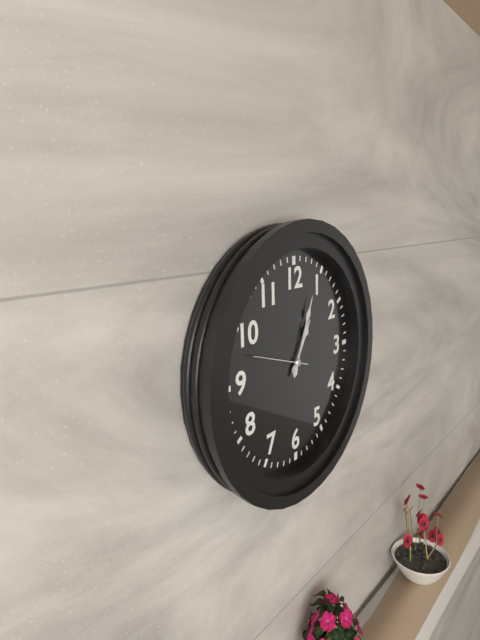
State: 1:04:48
